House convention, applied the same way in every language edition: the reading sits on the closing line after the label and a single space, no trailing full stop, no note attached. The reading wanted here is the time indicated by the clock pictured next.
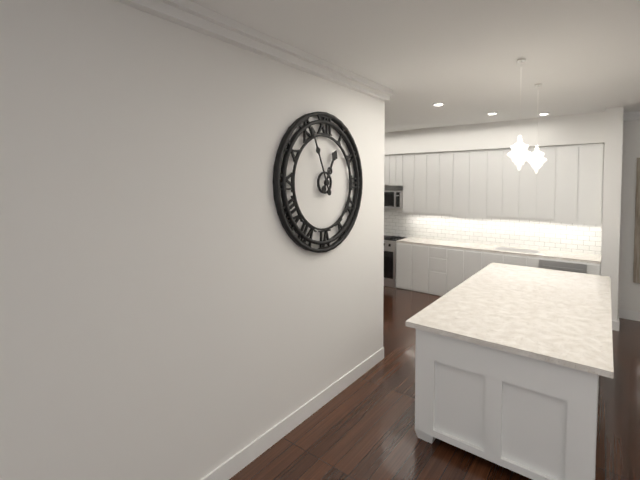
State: 12:56
